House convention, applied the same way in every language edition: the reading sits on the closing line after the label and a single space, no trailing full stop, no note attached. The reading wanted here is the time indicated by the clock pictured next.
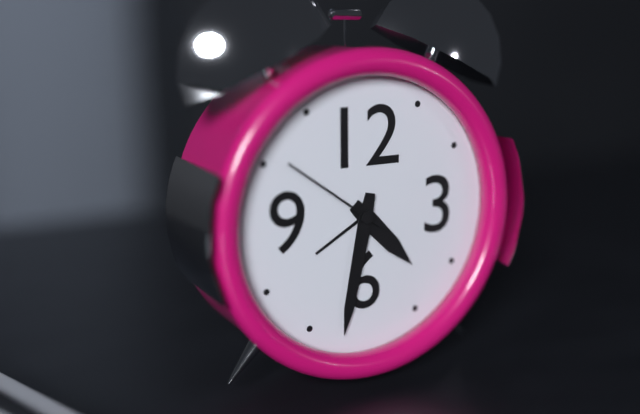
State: 4:32:51
